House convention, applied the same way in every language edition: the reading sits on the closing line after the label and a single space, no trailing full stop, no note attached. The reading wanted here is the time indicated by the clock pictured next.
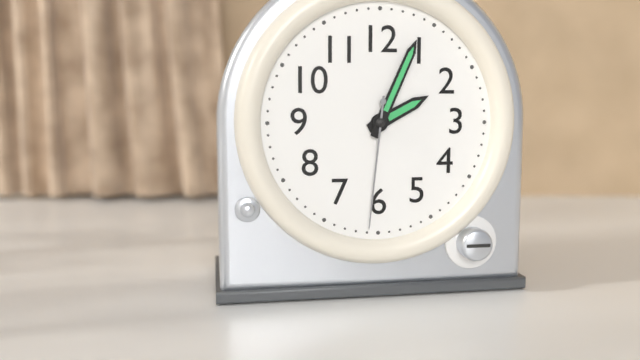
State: 2:04:31
